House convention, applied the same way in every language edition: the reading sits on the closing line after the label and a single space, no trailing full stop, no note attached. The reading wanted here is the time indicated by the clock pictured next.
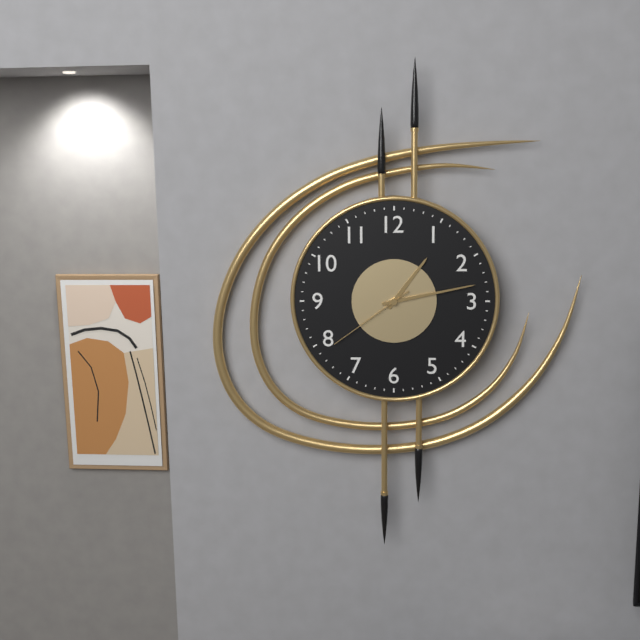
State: 1:13:39
